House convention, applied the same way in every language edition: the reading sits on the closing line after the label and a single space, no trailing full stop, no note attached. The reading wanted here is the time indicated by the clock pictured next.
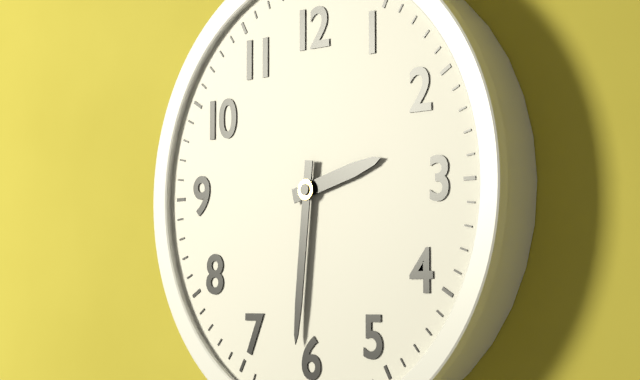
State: 2:31
